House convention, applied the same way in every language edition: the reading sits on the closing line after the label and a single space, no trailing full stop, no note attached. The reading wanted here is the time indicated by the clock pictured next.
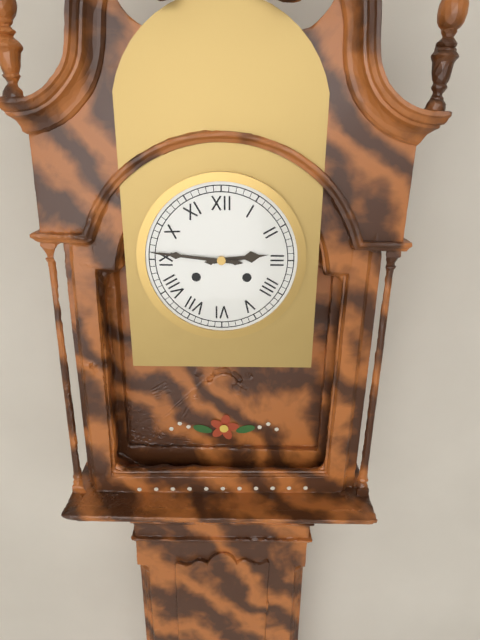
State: 2:46
